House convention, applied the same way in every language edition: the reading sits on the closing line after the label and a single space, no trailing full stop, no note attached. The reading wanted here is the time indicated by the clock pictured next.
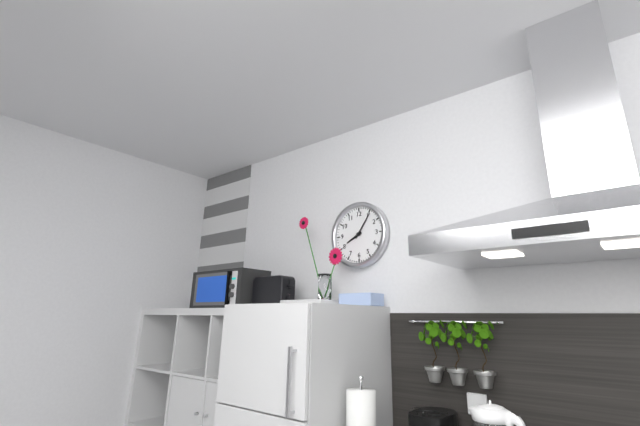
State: 8:06
